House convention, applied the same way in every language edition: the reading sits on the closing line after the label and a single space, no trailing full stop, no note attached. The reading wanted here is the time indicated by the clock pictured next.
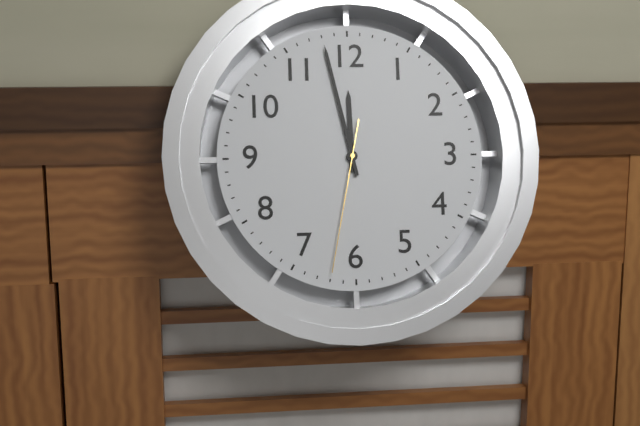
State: 11:58:32
